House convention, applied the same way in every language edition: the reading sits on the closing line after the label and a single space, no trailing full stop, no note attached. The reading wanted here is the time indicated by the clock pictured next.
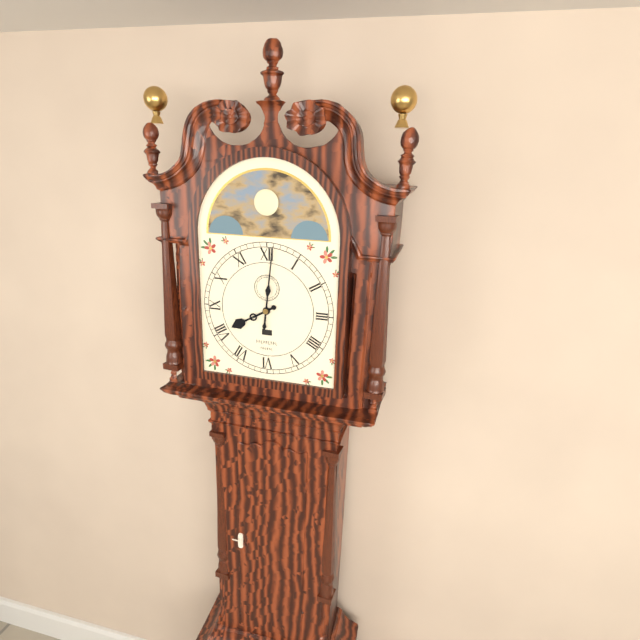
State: 8:01
